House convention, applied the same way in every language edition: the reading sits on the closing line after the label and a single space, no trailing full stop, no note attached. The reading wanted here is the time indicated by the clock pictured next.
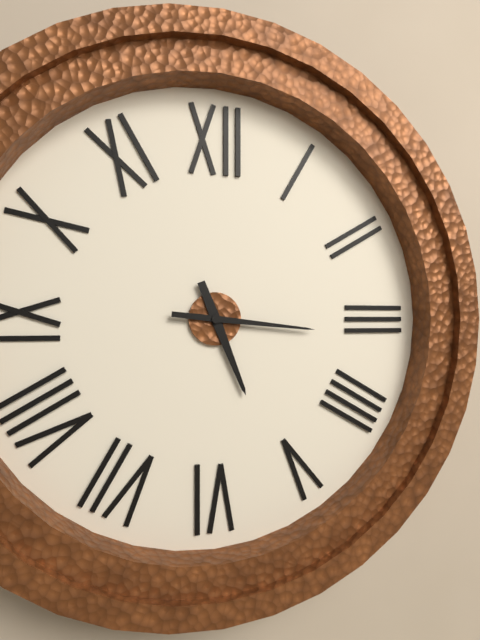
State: 5:16
